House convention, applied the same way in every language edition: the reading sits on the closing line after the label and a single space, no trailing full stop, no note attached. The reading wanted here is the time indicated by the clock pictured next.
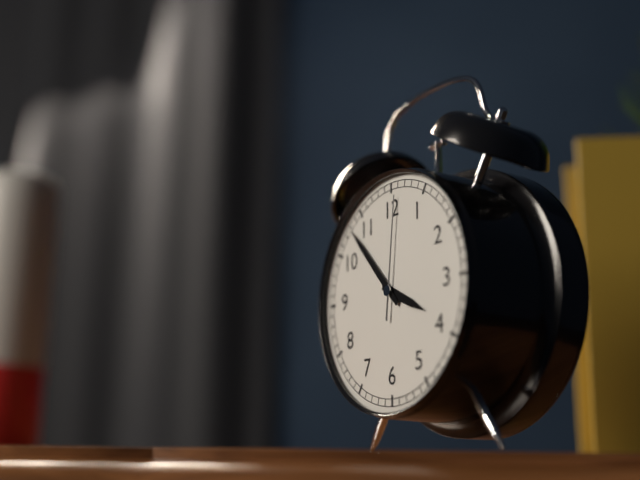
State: 3:53:01
